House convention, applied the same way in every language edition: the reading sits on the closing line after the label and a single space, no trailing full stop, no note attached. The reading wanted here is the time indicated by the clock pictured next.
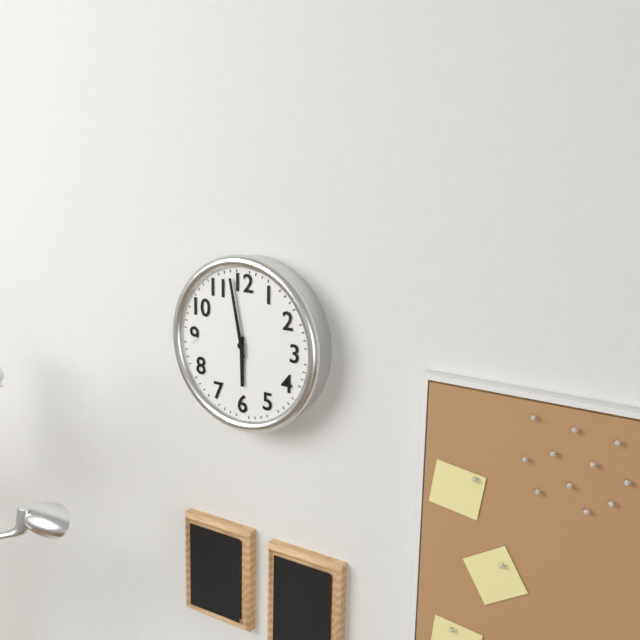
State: 5:58
